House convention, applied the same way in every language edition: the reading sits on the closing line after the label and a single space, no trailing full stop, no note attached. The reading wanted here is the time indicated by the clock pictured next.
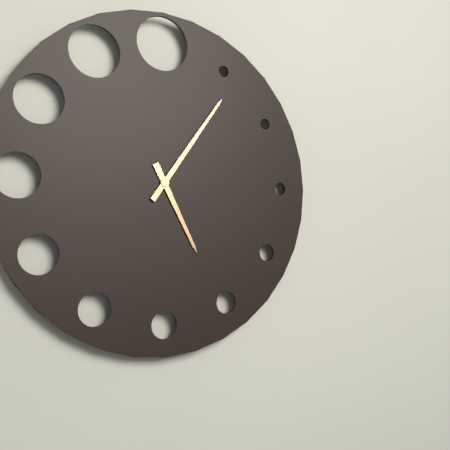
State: 5:06
